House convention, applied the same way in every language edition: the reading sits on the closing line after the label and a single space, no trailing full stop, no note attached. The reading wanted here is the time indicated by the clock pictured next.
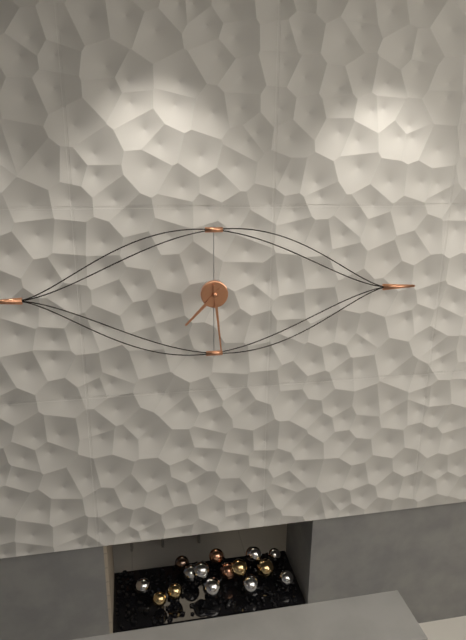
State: 7:29
